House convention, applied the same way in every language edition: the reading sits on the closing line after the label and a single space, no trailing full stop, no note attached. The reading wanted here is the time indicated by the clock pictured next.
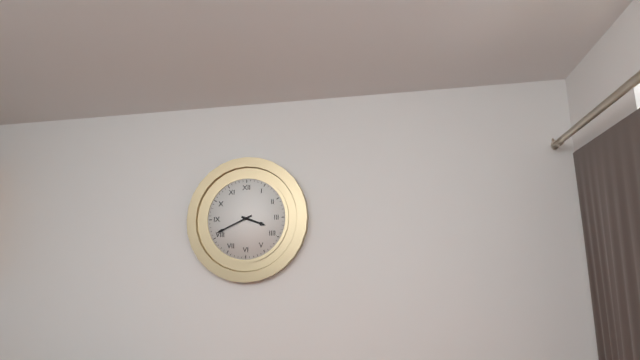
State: 3:41
